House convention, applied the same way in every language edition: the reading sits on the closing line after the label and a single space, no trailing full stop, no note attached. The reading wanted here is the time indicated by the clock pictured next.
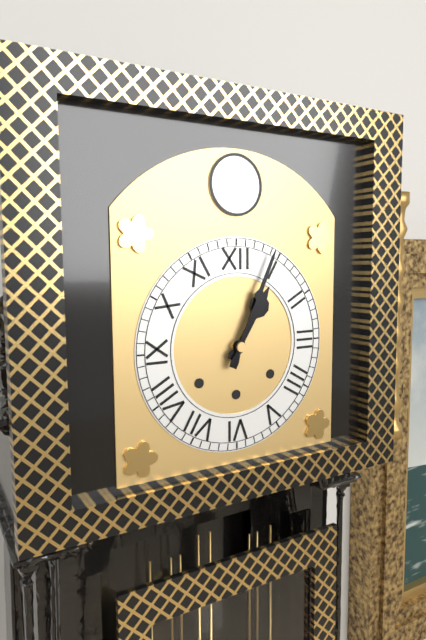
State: 1:04
